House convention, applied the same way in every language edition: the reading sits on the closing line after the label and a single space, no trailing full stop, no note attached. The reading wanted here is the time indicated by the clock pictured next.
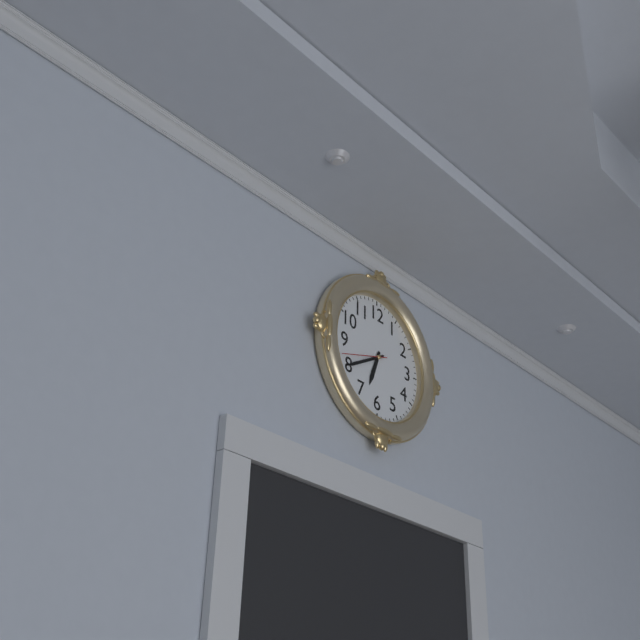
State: 6:40
